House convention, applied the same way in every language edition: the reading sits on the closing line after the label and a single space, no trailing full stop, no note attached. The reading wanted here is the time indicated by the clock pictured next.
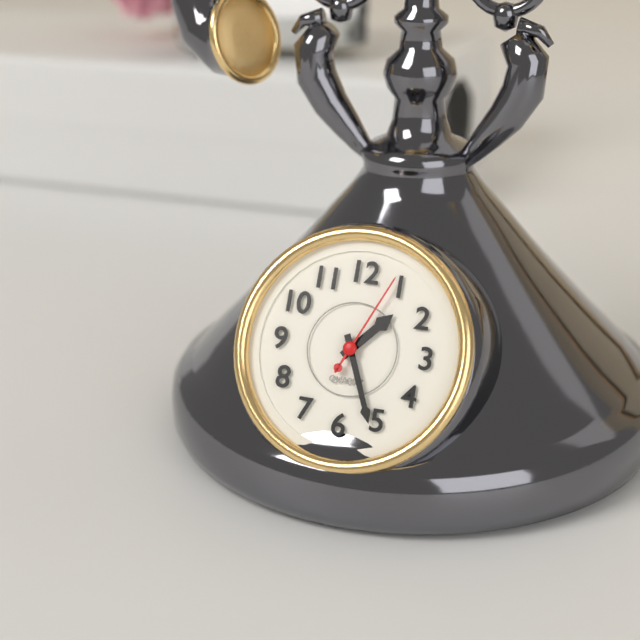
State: 1:26:04
